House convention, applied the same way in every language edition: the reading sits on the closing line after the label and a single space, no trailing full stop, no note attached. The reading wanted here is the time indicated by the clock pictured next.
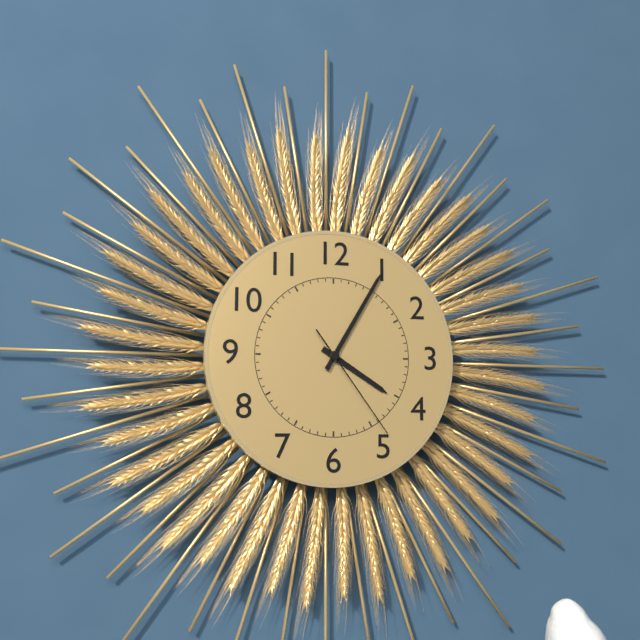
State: 4:05:24
